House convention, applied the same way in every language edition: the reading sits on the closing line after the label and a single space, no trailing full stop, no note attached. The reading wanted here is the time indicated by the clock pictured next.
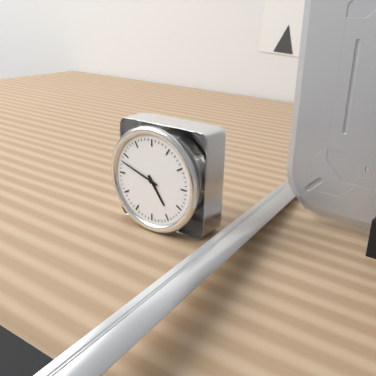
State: 4:48
